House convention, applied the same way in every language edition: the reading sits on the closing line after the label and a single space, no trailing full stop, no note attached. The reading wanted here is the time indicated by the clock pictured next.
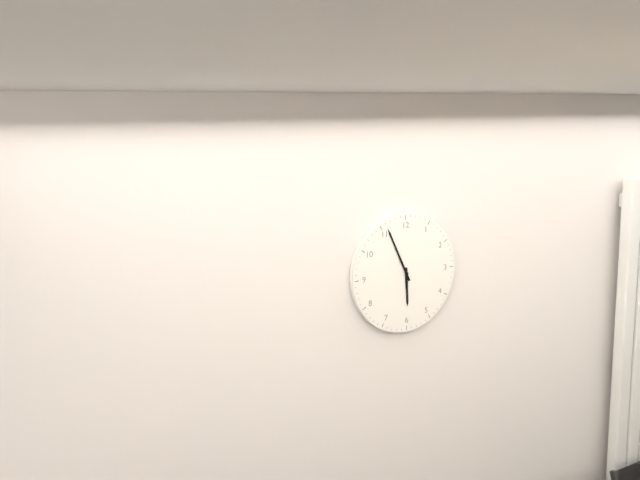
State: 5:56
